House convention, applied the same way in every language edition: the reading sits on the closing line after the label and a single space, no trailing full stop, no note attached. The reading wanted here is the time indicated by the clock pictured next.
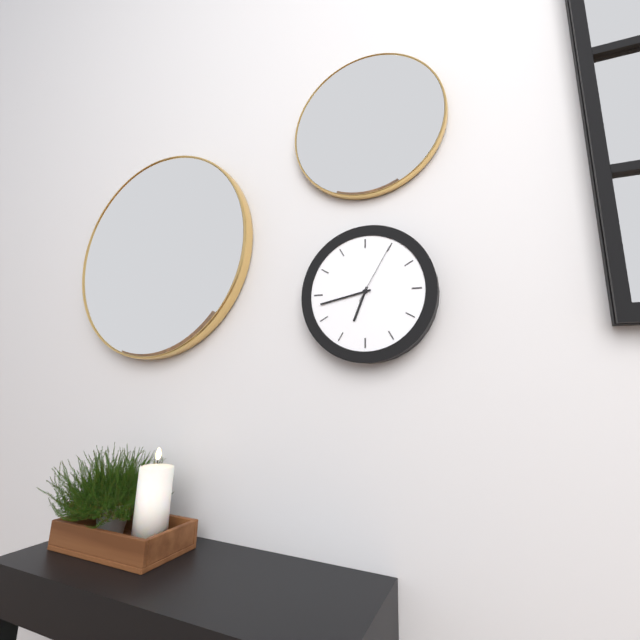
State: 6:43:05
